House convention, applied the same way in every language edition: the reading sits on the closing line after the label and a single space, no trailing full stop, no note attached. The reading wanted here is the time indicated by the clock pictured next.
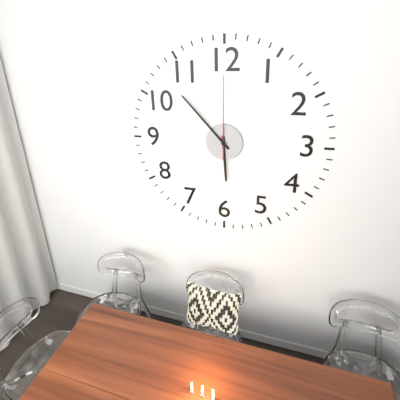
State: 5:53:00
